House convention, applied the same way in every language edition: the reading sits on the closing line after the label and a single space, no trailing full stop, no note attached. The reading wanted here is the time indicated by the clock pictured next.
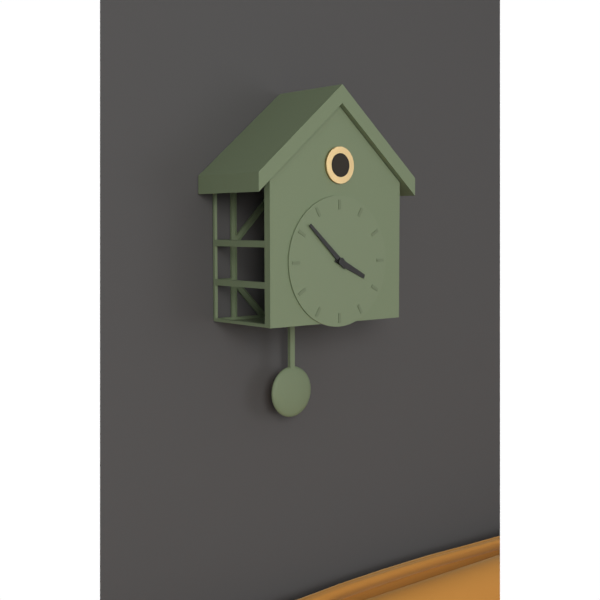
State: 3:52
